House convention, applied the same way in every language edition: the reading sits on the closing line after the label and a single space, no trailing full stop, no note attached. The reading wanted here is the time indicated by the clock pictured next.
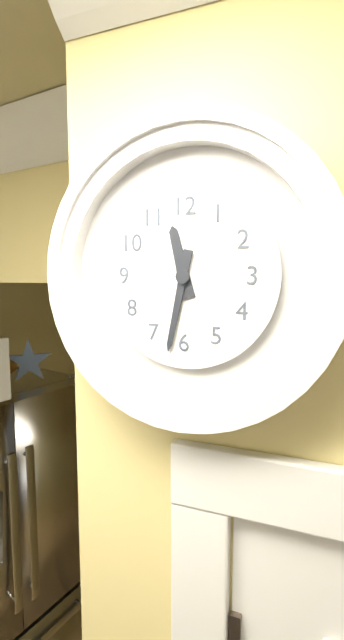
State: 11:32
